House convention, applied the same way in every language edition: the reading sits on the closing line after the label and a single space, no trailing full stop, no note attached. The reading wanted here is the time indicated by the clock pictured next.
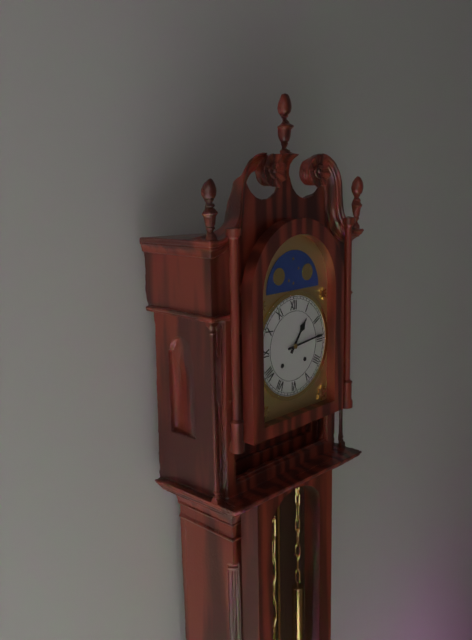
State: 1:14
